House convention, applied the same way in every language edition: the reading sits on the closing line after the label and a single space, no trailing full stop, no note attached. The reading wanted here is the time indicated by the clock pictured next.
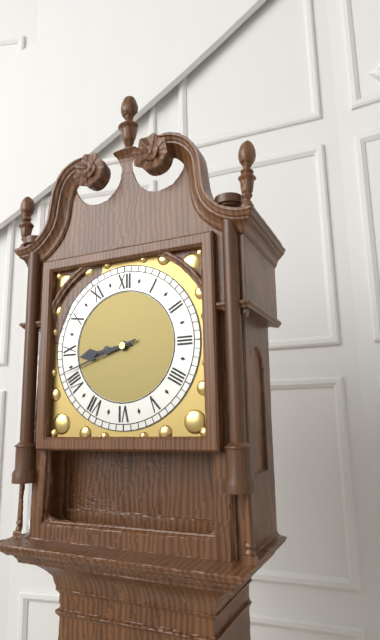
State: 8:42
